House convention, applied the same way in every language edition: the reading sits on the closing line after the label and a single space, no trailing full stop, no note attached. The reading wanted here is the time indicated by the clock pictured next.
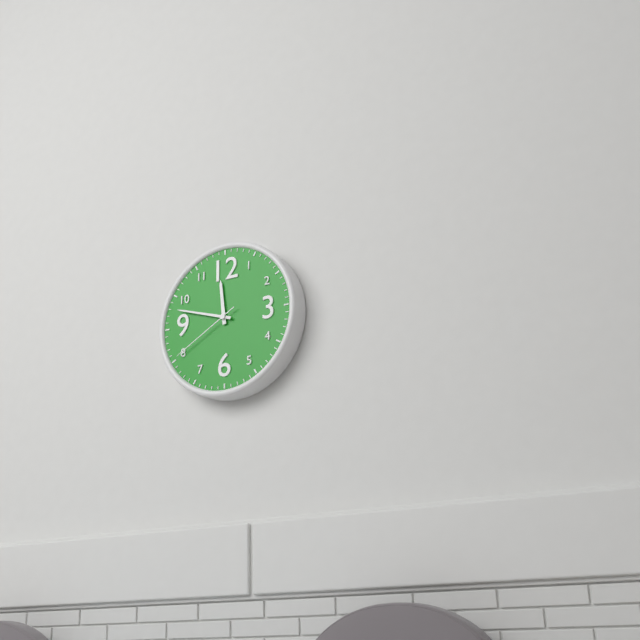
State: 11:48:40
